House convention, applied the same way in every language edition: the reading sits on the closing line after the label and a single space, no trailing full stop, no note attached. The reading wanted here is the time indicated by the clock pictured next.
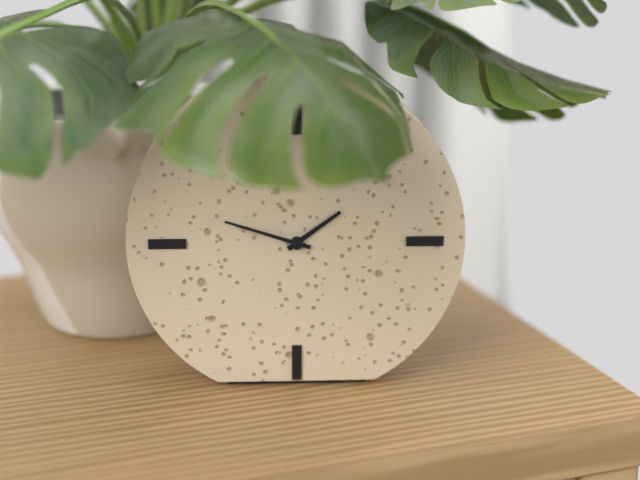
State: 1:48
